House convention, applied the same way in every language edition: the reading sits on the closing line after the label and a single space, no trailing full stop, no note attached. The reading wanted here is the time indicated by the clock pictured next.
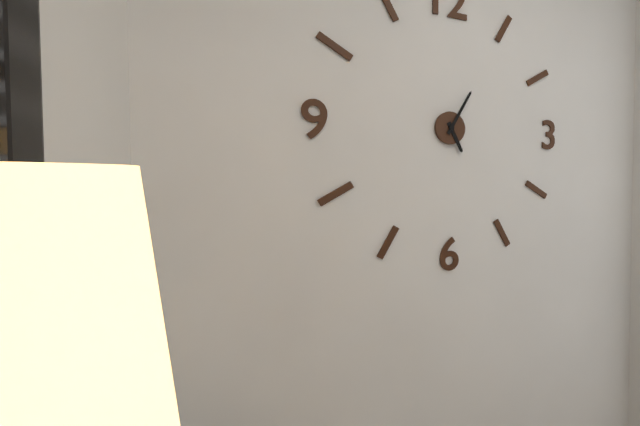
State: 5:05
